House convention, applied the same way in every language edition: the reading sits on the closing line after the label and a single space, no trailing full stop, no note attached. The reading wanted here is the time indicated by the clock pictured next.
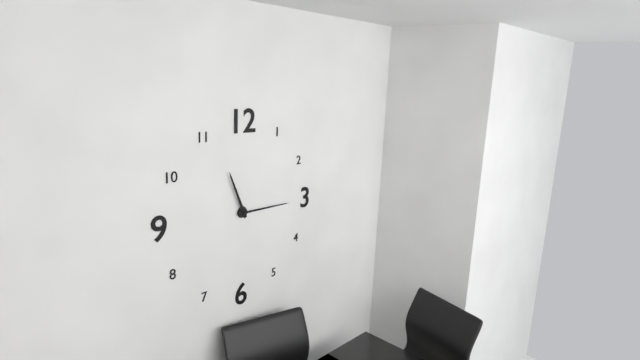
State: 11:15
